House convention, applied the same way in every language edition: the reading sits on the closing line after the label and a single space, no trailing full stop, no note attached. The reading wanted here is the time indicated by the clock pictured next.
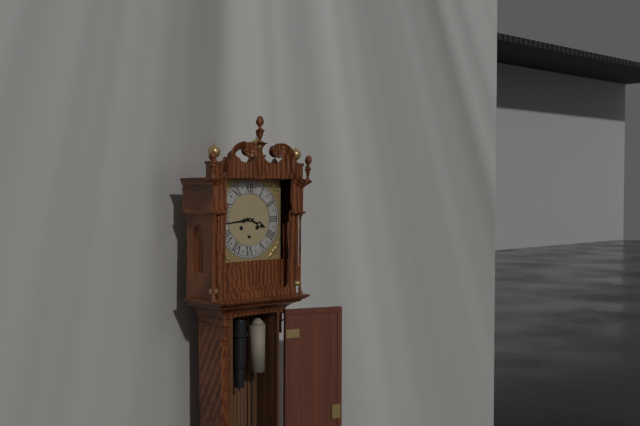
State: 3:44
